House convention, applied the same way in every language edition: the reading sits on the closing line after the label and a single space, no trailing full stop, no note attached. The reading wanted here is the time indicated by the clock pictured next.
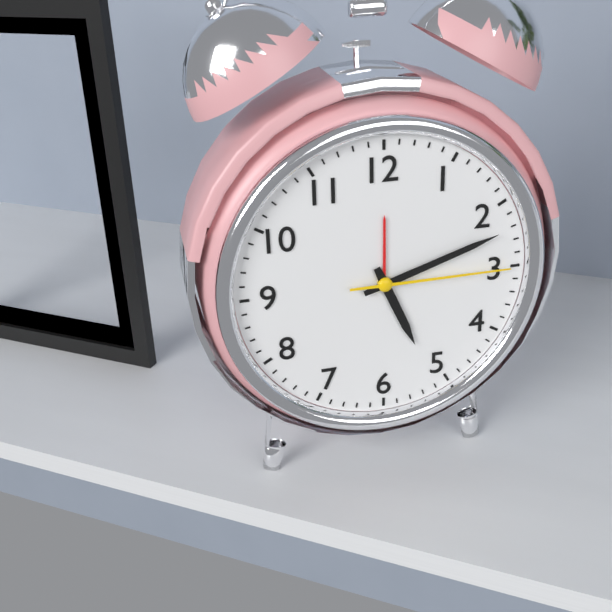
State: 5:12:15
